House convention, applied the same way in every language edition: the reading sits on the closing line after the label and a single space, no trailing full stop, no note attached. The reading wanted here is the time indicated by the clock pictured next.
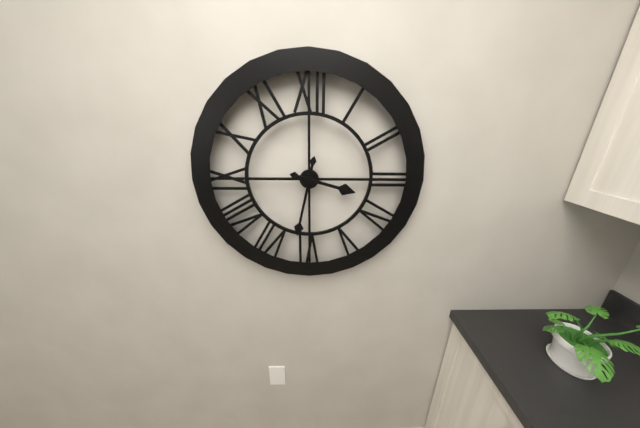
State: 3:32
